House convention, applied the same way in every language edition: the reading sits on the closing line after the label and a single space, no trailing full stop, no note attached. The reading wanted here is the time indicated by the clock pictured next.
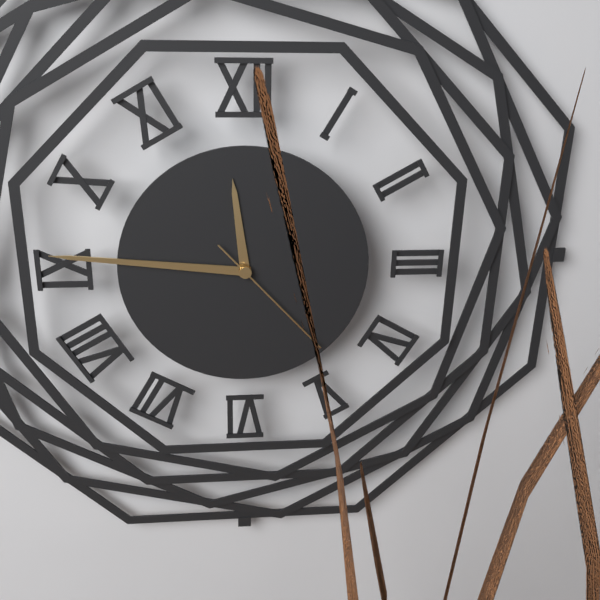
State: 11:46:23
